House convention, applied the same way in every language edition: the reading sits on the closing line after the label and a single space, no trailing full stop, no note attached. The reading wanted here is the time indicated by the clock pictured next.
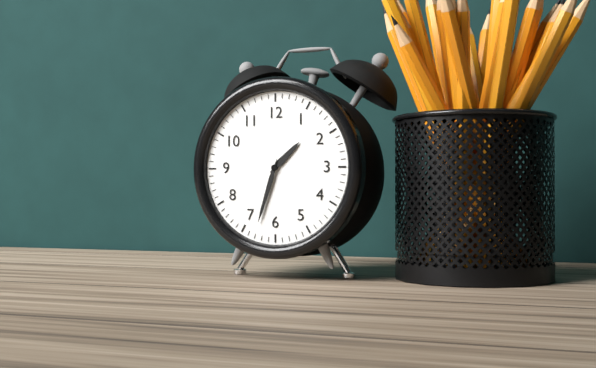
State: 1:33
